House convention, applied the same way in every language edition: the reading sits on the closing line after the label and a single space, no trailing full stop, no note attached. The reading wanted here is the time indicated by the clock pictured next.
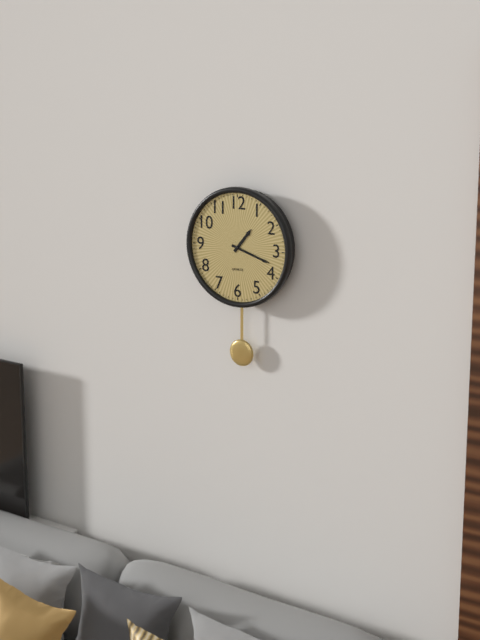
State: 1:18
